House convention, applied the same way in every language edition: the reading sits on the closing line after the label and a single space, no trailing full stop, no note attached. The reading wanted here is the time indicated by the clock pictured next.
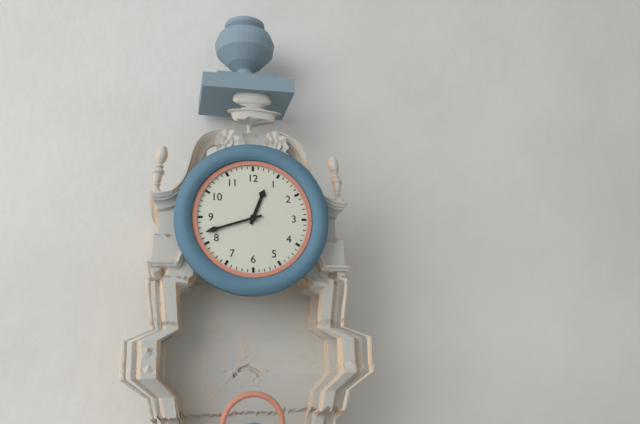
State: 12:42
